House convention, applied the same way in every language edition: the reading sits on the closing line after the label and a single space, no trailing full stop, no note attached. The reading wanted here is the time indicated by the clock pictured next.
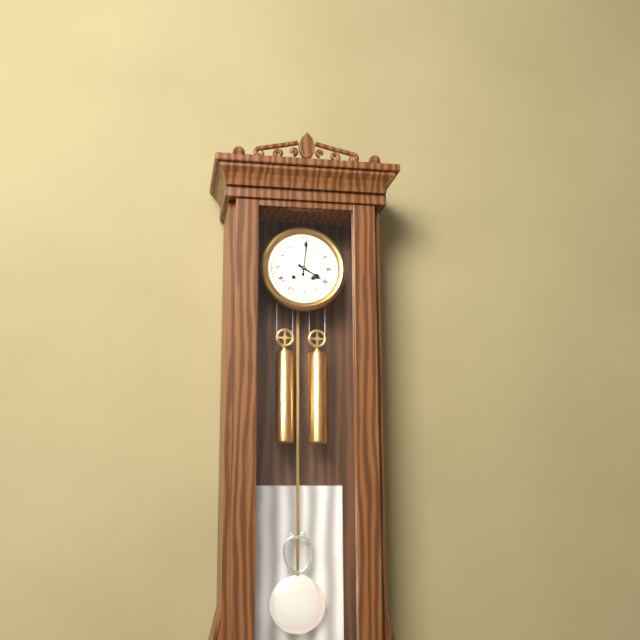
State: 4:01
